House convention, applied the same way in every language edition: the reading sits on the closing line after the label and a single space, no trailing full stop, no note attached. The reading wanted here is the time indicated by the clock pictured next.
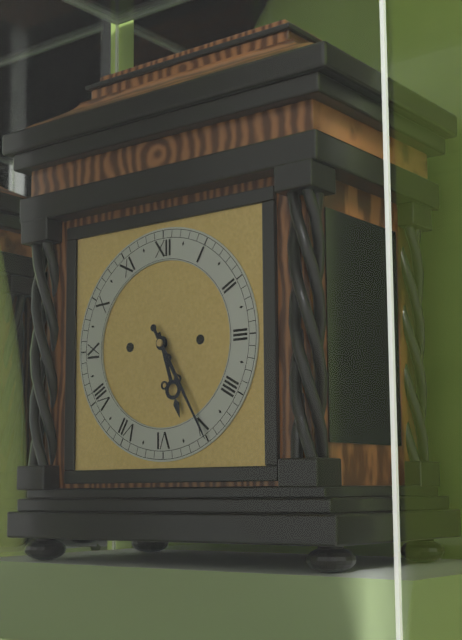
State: 5:25
